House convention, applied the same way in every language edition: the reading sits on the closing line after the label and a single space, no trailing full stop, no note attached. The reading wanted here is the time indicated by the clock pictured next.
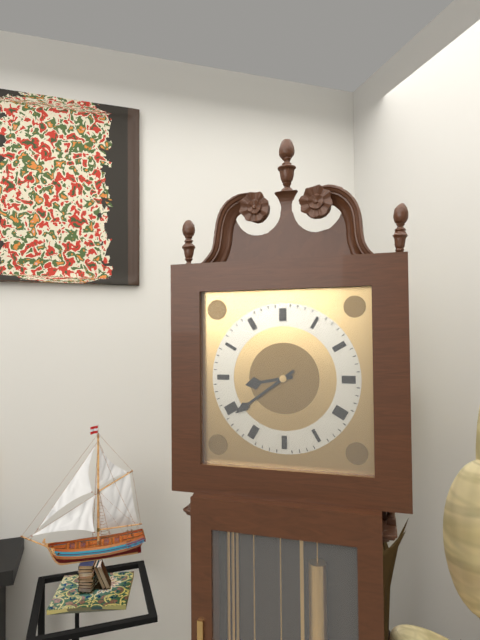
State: 8:39
